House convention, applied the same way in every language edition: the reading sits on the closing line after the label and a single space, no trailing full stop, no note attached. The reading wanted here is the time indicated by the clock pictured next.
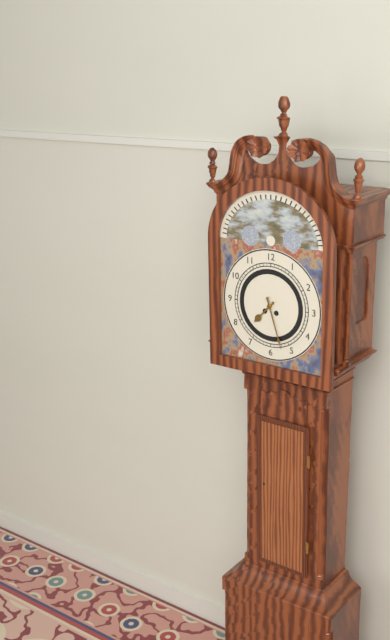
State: 7:27
